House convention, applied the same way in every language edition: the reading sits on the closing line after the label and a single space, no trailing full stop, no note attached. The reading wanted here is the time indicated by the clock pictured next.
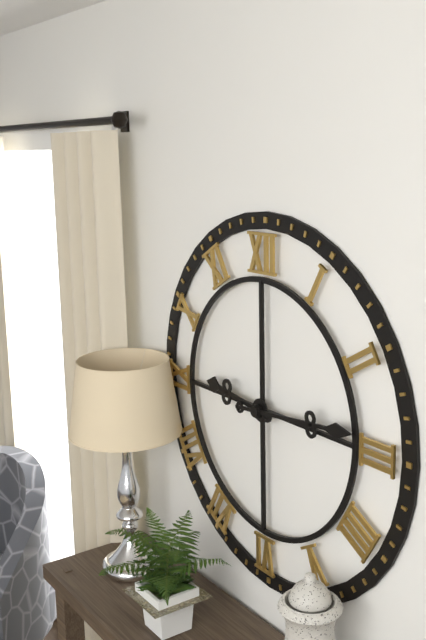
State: 9:14
